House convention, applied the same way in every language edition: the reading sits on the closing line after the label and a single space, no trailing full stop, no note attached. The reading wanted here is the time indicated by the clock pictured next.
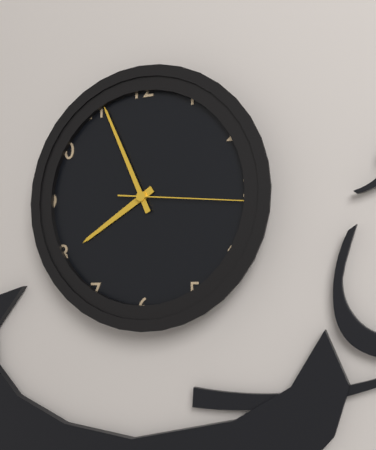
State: 7:56:16
